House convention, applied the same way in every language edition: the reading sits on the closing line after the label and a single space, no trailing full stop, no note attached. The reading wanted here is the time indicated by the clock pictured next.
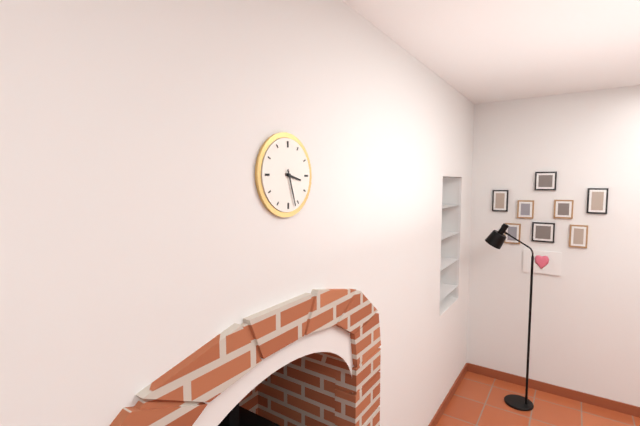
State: 3:27
